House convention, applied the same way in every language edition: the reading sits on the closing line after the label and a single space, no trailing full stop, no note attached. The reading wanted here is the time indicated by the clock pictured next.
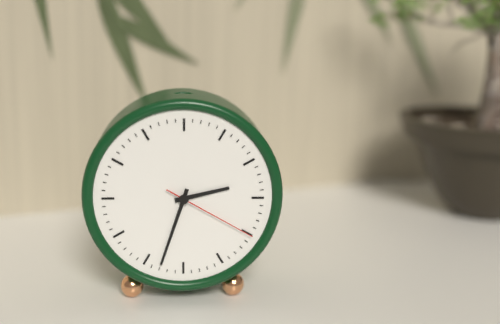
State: 2:33:20
